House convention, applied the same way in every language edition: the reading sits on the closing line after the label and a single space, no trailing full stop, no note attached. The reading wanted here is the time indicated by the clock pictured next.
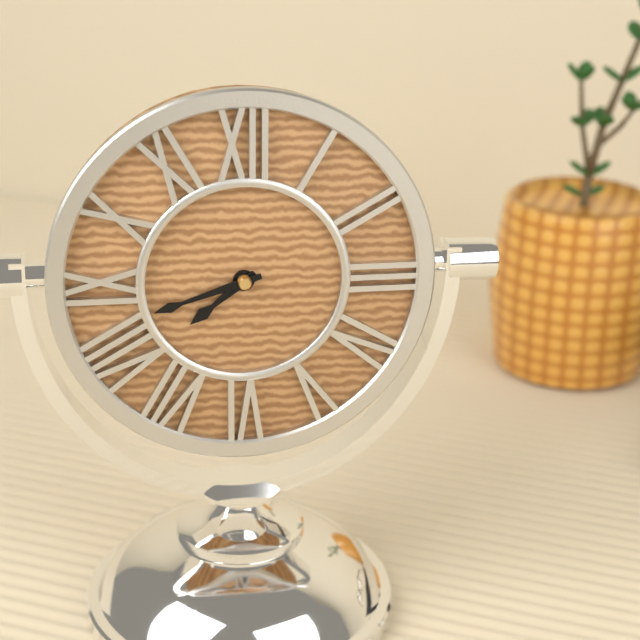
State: 7:42
